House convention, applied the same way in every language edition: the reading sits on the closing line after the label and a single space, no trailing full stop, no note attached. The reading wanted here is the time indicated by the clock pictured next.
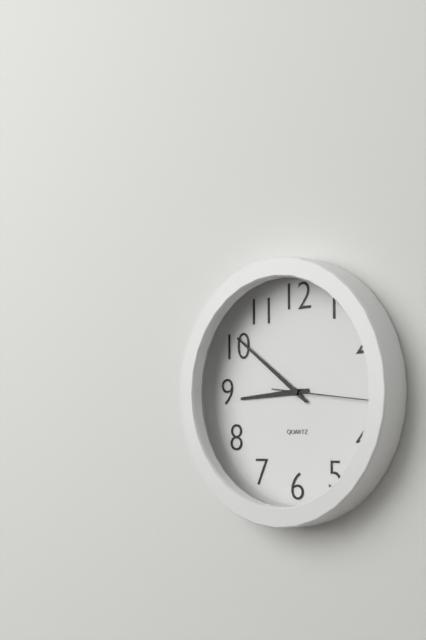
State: 8:51:16
